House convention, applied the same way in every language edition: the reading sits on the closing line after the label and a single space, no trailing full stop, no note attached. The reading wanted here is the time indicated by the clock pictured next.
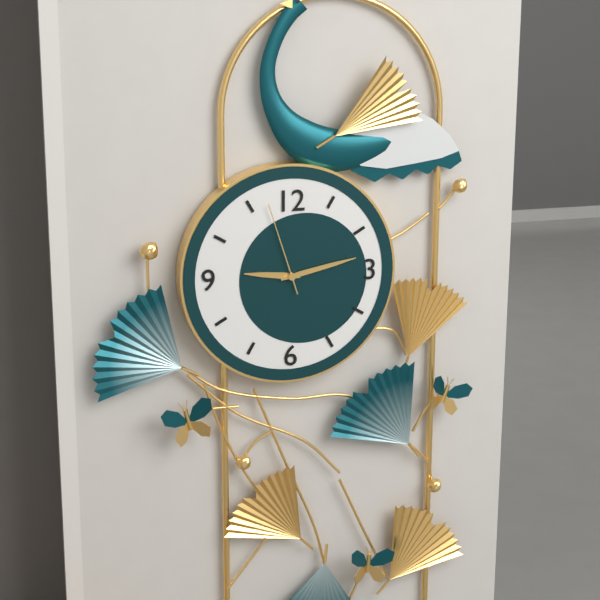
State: 9:13:57
